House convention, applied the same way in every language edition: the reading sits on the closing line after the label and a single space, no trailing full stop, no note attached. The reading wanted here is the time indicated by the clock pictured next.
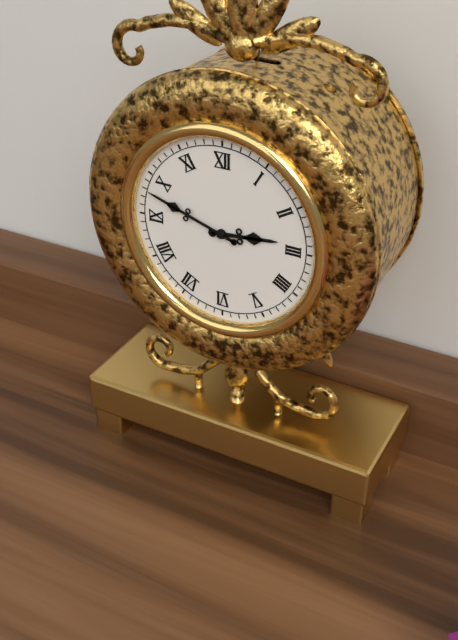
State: 2:48
